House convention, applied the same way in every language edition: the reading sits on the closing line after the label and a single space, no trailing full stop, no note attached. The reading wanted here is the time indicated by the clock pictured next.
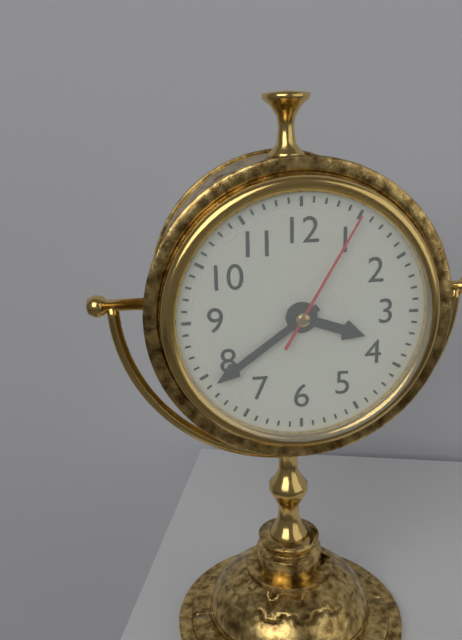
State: 3:39:05
